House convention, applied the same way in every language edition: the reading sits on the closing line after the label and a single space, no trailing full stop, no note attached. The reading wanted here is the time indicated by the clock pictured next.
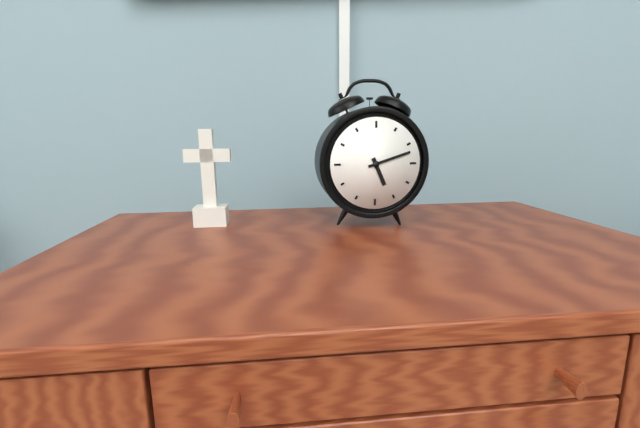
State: 5:12
